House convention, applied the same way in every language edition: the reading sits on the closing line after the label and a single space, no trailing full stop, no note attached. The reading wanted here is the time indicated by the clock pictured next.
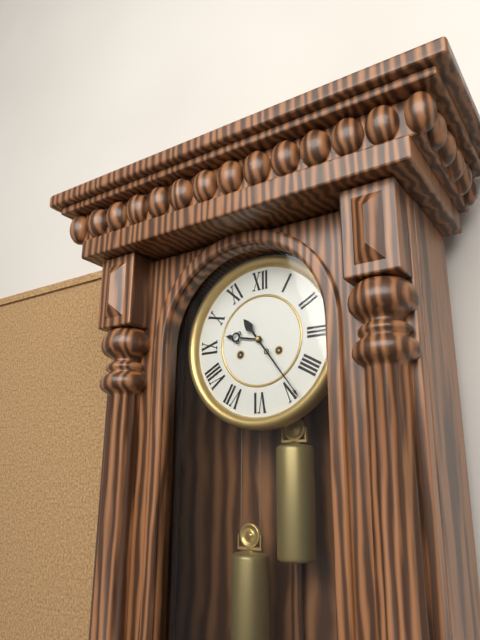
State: 9:24
